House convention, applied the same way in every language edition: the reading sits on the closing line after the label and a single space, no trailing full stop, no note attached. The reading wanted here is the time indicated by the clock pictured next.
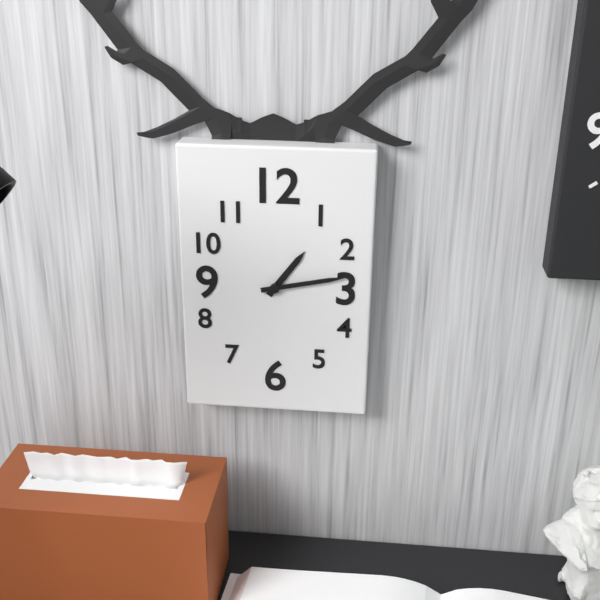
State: 1:13
